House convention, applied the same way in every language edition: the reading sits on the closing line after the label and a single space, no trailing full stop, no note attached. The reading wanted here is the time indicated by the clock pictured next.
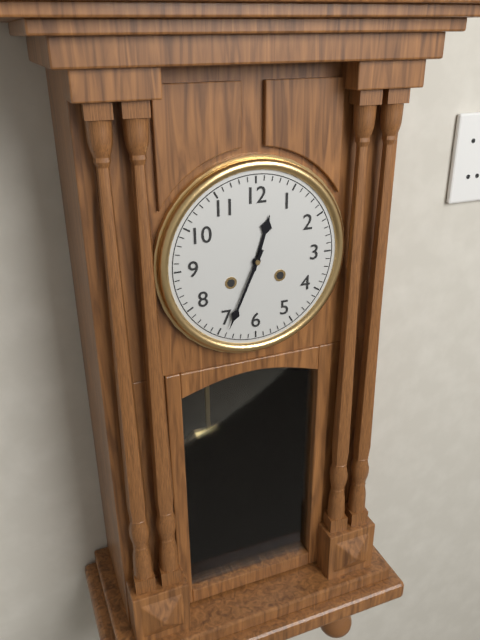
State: 12:34
